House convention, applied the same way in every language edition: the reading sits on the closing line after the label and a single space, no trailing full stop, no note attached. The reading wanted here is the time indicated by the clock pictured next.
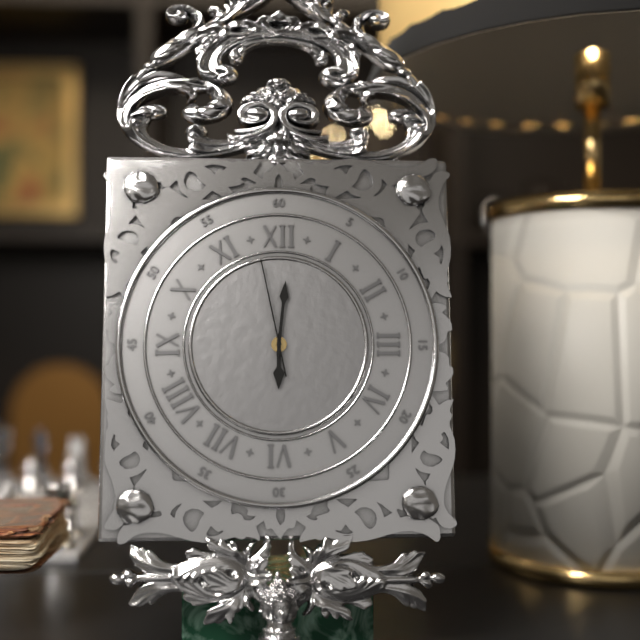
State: 6:01:58
